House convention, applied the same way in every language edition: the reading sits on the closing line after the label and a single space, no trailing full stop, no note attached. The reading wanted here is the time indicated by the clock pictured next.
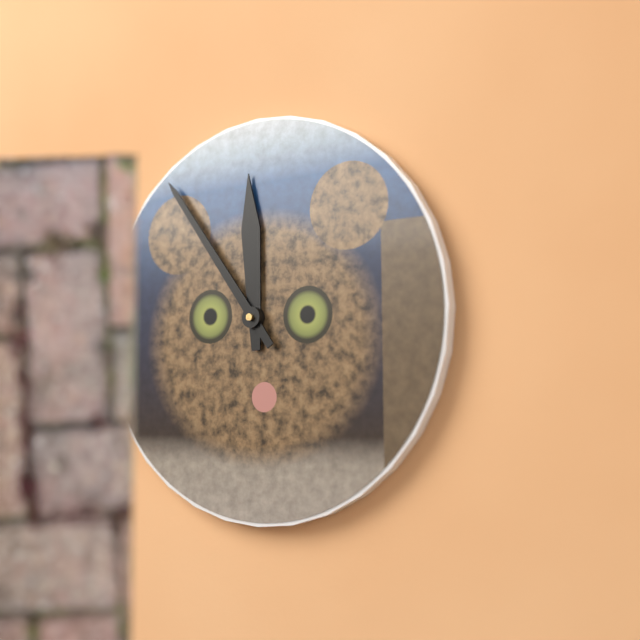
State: 11:54
